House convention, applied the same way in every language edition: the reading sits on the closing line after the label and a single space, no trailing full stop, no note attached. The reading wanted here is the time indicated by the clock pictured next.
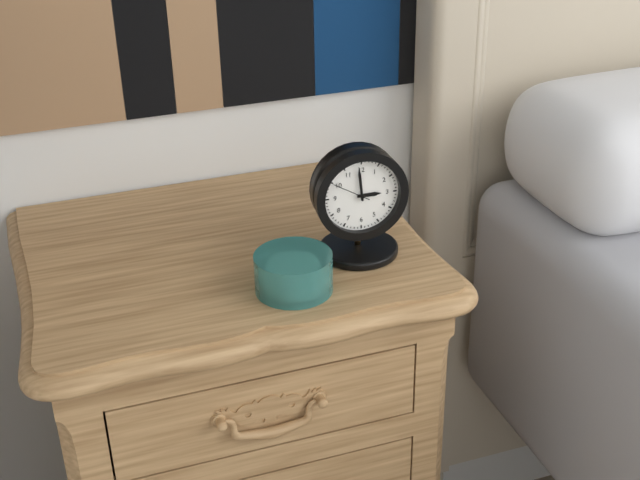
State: 2:59
